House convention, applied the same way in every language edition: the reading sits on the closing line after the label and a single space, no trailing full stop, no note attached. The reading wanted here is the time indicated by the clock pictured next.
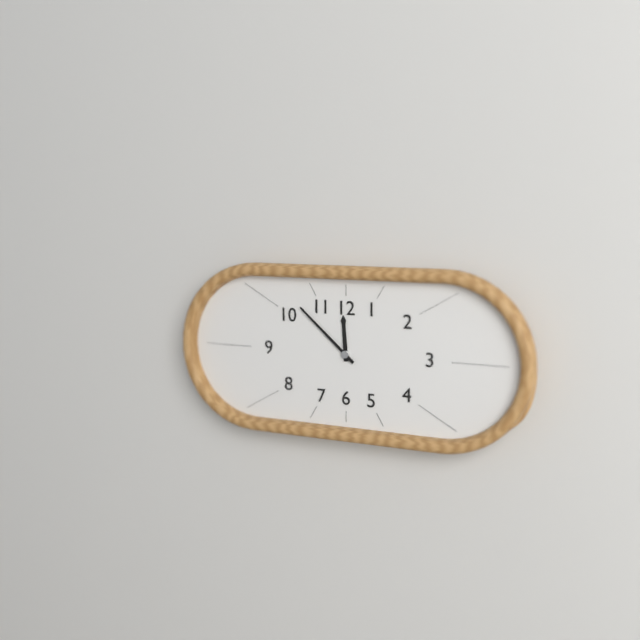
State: 11:52
